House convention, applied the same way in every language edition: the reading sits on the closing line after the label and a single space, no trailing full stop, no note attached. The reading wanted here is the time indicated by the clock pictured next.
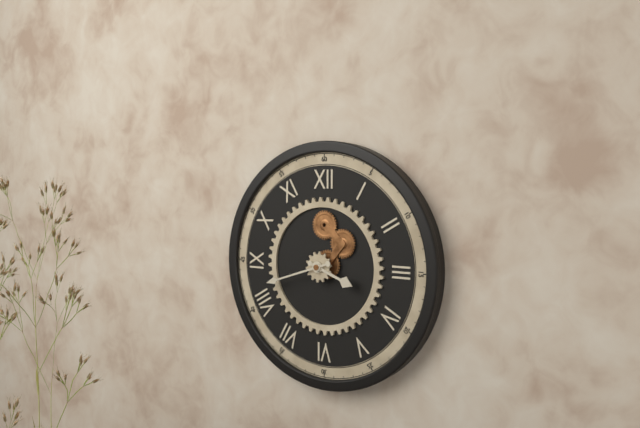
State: 3:42
